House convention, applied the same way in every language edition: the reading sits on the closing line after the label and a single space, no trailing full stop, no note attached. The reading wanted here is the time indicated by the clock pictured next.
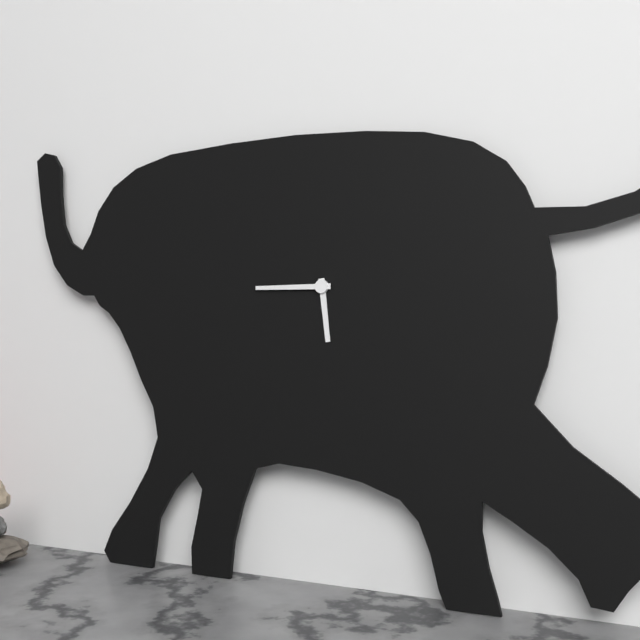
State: 5:45
